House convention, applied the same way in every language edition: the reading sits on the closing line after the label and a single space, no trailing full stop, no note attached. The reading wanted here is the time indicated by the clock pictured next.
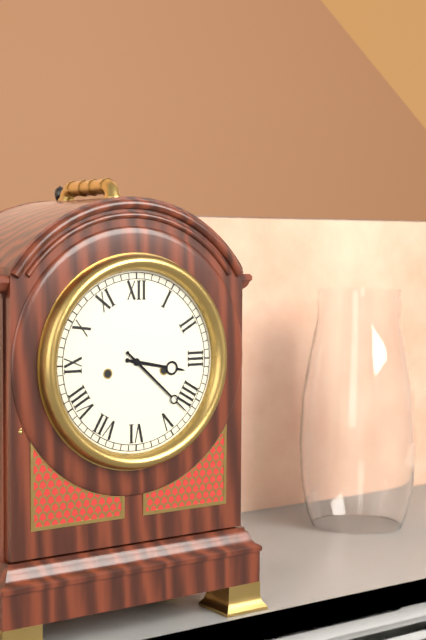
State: 3:22
